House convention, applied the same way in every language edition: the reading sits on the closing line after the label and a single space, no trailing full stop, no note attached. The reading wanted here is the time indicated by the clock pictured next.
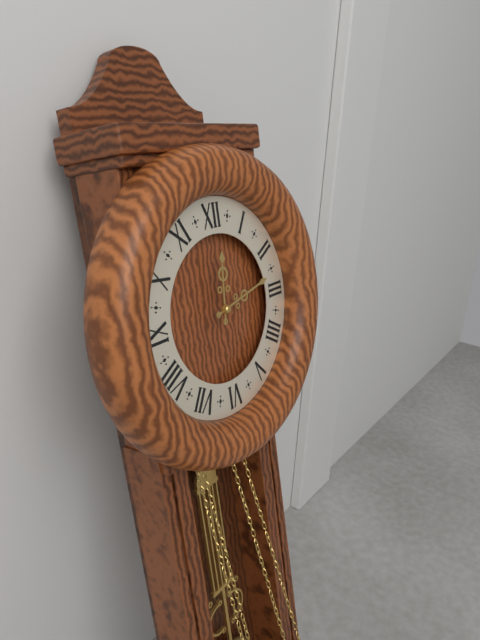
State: 12:13
